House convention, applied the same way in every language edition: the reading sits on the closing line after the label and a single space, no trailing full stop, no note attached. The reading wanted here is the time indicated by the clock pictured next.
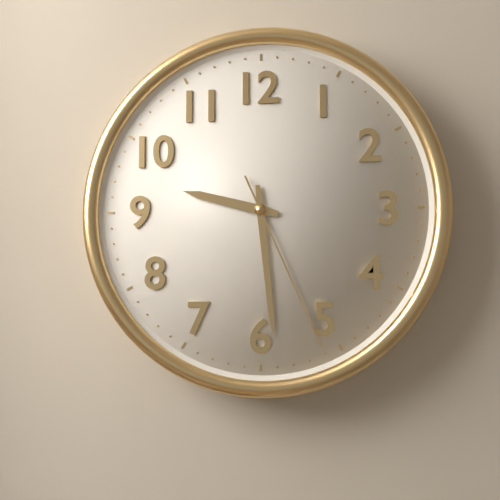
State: 9:29:26
